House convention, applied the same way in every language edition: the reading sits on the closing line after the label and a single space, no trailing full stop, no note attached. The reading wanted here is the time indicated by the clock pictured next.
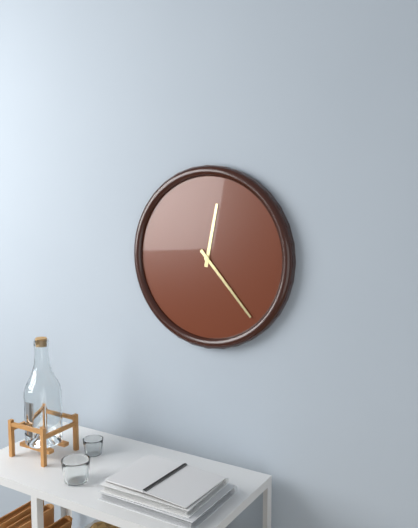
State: 12:23
